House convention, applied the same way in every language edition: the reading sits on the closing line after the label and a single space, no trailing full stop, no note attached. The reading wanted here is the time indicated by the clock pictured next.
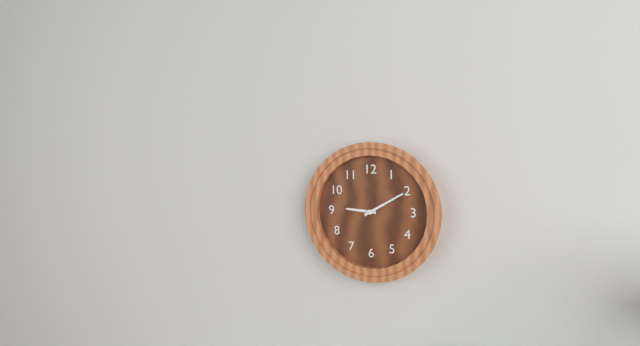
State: 9:10
